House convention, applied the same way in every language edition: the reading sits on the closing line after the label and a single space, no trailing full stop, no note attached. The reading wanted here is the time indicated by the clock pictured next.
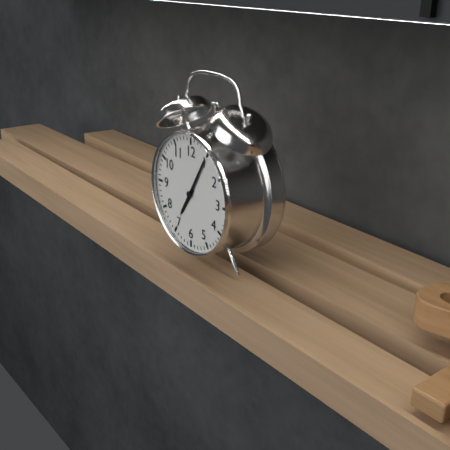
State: 7:05
